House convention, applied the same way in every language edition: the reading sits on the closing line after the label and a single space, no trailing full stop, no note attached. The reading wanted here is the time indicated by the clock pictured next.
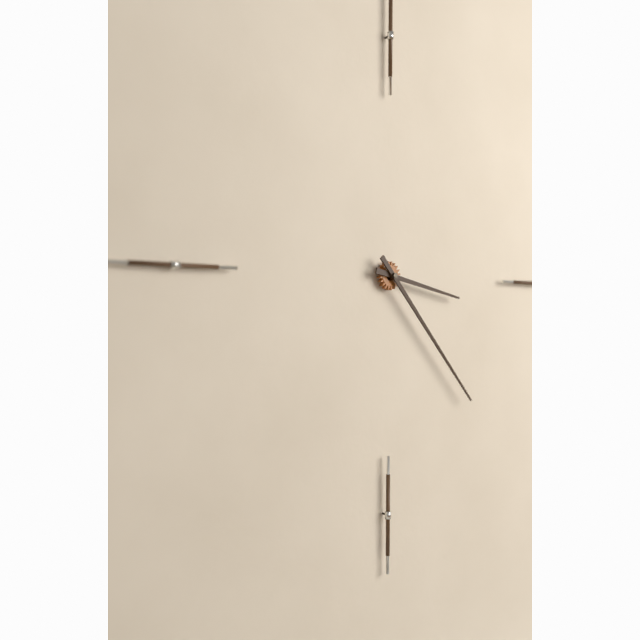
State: 3:23
